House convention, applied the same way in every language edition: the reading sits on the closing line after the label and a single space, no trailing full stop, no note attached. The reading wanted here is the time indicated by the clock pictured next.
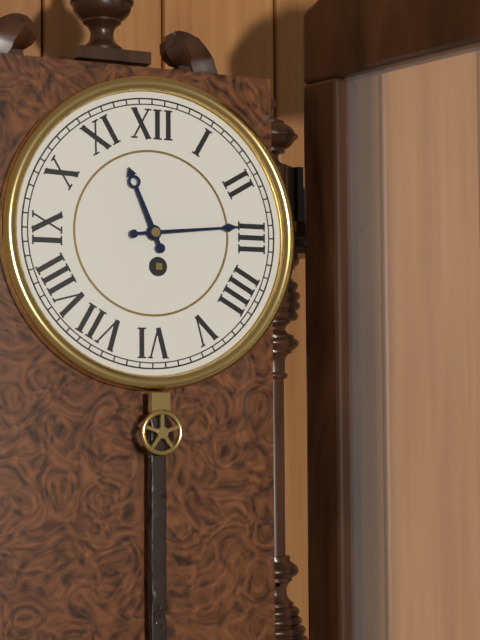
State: 11:14
